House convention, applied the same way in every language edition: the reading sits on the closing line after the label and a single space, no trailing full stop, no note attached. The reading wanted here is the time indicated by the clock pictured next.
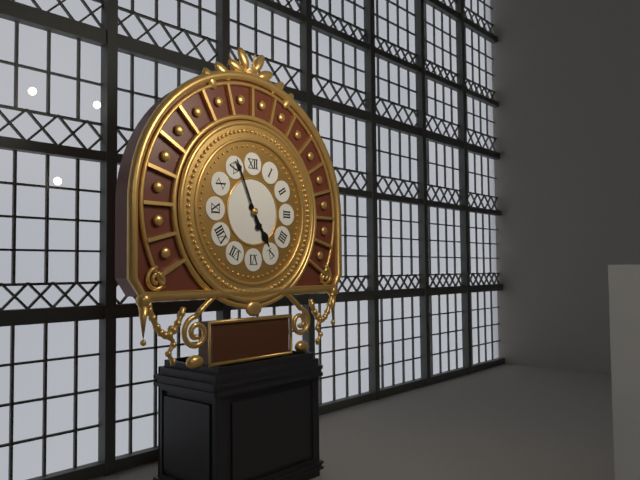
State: 4:56
